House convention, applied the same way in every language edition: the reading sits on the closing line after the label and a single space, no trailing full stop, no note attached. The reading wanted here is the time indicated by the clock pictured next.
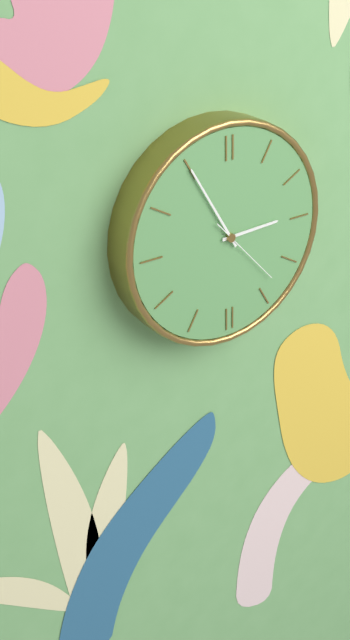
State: 2:55:23
